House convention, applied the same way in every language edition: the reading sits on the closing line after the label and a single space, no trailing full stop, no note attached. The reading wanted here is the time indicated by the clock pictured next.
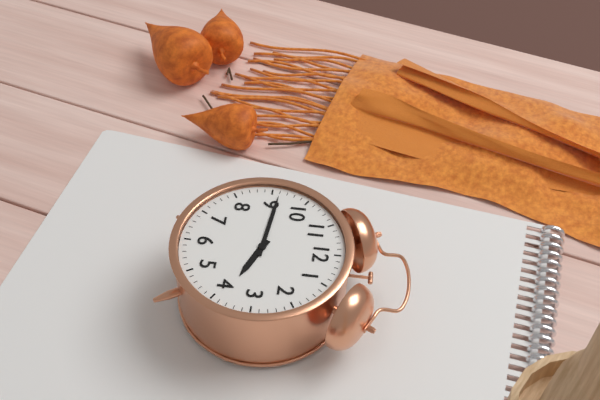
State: 3:46
